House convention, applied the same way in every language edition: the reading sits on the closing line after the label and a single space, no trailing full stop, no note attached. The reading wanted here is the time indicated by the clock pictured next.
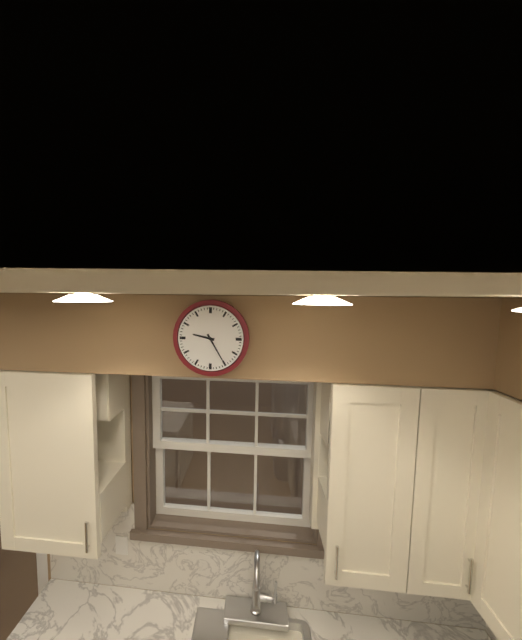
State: 9:25
